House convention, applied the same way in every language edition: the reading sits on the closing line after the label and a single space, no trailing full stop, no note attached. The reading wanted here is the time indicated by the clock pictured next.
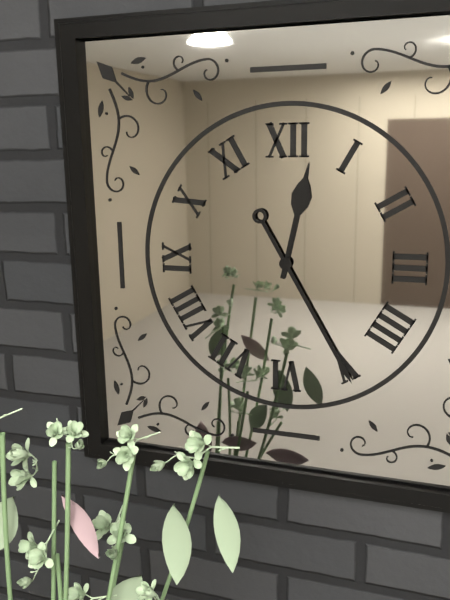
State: 12:25
